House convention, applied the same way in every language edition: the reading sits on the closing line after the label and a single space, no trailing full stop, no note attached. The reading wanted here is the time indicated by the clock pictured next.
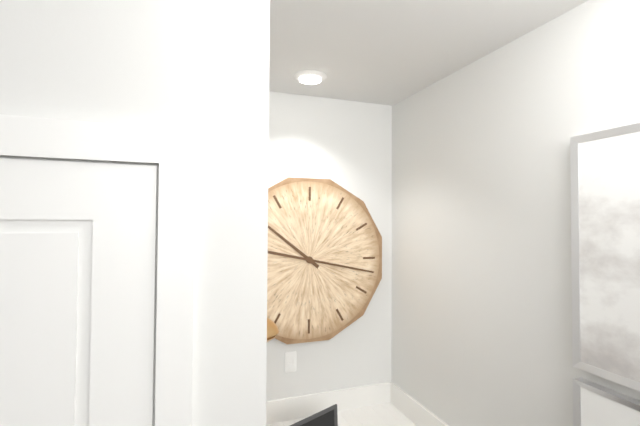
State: 10:17
